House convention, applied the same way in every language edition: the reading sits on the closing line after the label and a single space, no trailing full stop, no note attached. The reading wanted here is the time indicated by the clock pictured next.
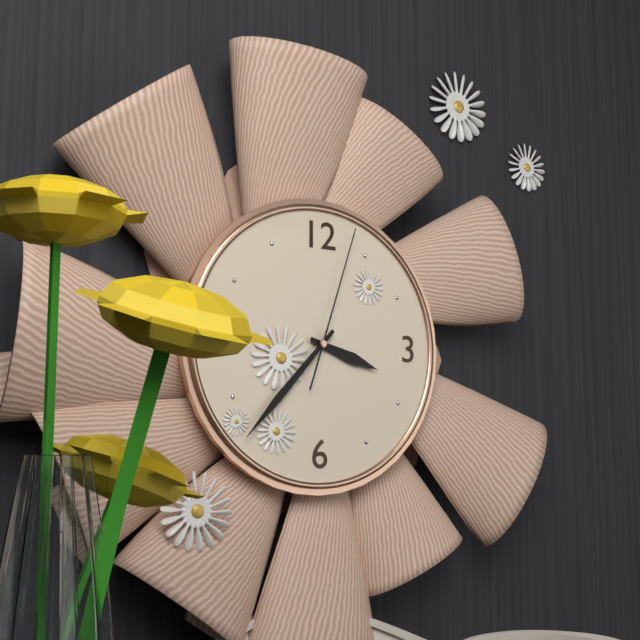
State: 3:37:03
